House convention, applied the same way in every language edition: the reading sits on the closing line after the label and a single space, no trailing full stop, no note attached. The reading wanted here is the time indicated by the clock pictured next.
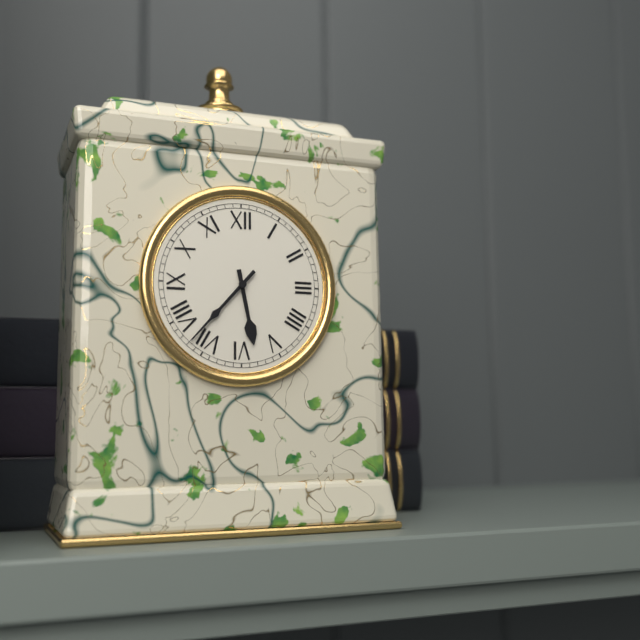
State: 5:37
